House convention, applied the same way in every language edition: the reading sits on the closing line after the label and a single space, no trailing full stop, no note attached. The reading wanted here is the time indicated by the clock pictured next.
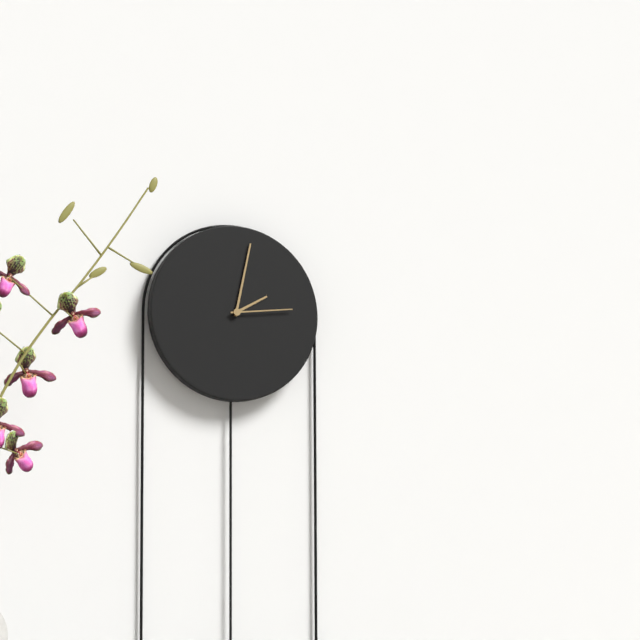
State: 2:02:14
